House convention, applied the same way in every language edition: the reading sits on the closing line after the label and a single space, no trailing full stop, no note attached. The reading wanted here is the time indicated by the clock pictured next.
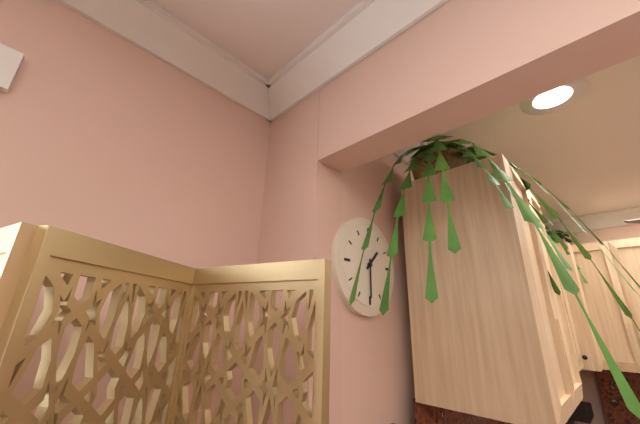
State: 1:30
